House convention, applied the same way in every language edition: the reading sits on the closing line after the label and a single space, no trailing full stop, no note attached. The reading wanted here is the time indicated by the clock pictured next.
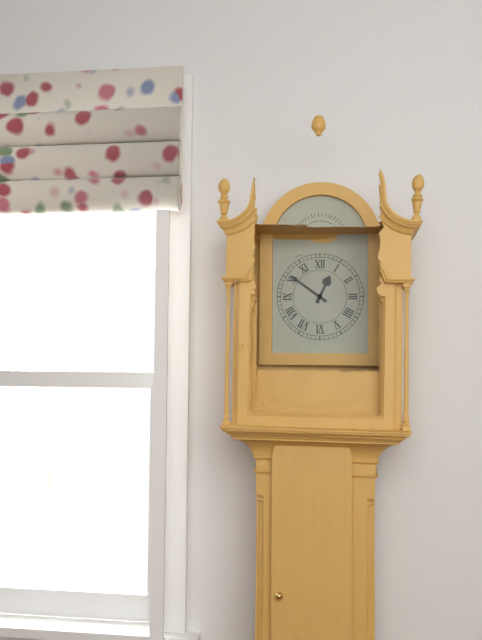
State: 12:51
